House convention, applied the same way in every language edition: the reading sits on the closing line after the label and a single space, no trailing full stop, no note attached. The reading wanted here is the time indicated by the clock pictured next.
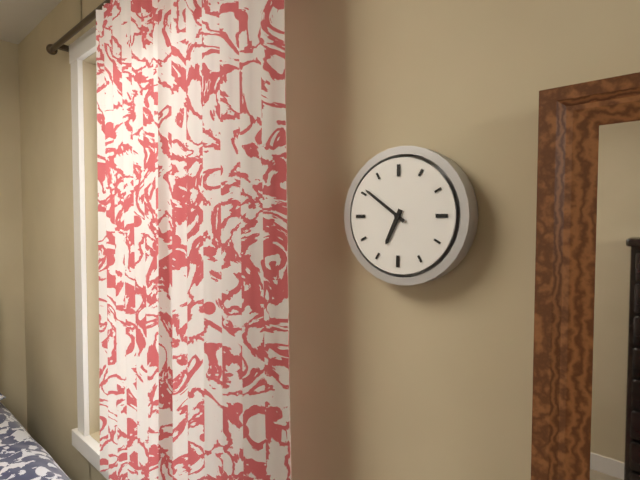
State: 6:51
